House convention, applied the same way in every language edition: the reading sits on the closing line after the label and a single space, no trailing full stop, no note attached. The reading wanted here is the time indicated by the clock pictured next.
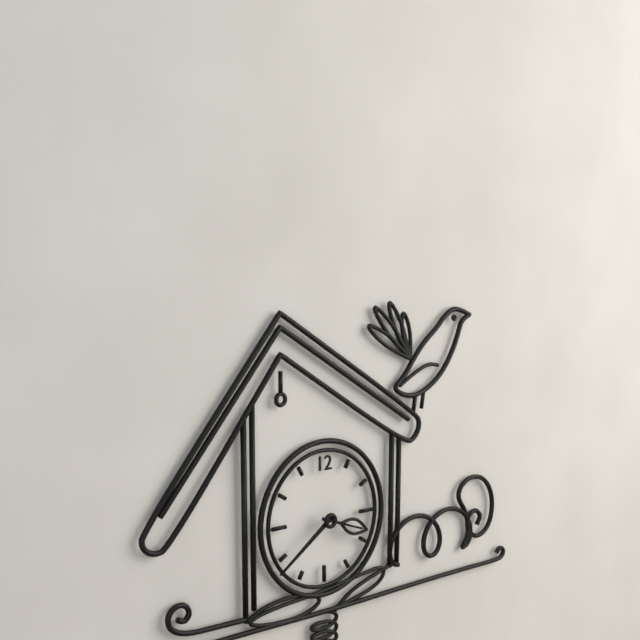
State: 3:39
